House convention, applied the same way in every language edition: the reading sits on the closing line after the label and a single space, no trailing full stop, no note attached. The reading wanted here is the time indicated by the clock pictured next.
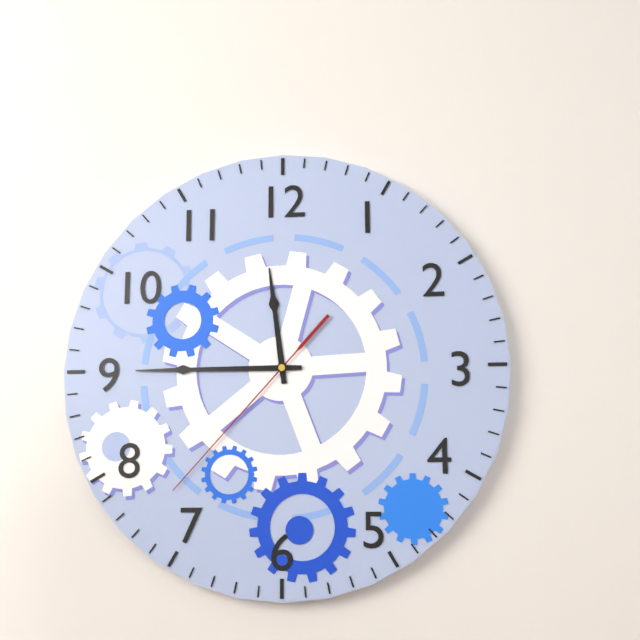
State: 11:45:37
